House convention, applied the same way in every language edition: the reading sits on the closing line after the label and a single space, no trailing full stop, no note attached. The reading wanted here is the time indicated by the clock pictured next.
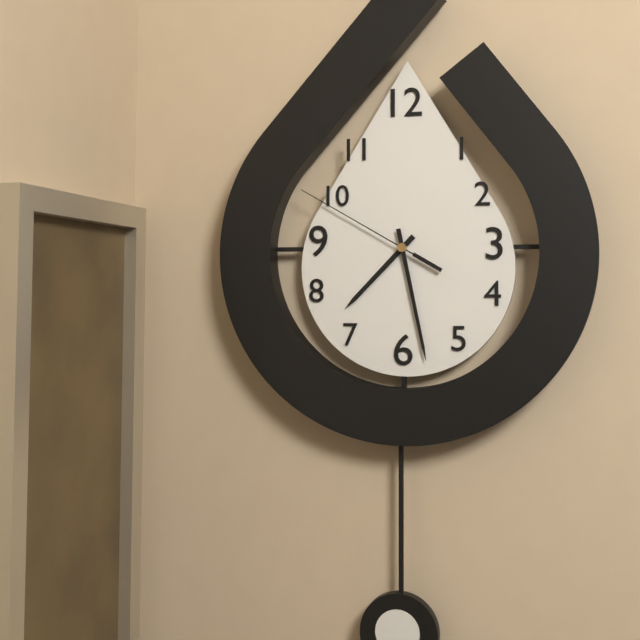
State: 7:28:50
